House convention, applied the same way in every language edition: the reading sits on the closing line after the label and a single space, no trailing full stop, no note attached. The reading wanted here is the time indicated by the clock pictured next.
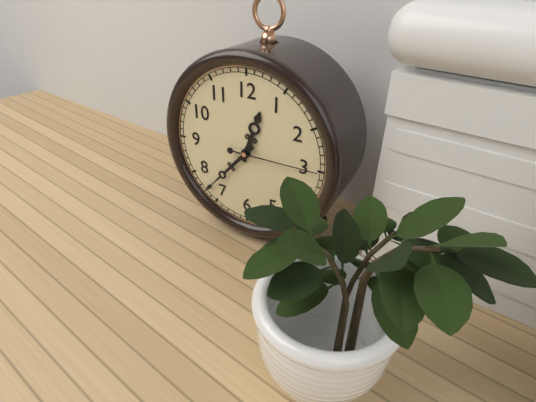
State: 12:37:15
